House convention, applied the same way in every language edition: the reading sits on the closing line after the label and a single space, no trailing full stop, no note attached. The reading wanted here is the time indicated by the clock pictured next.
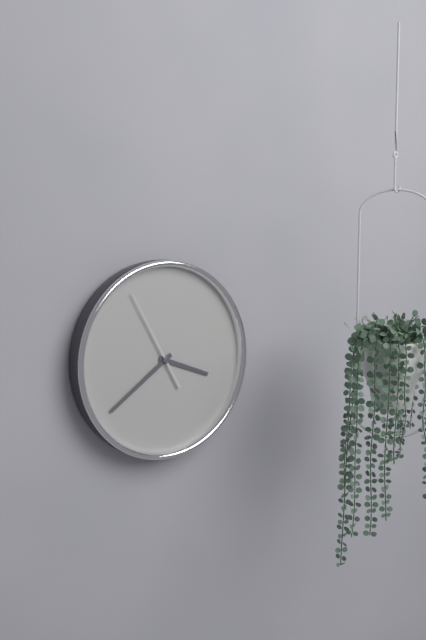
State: 3:39:55
